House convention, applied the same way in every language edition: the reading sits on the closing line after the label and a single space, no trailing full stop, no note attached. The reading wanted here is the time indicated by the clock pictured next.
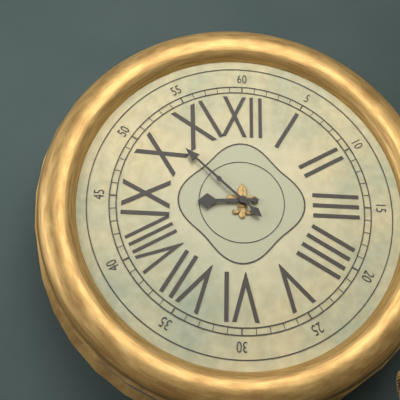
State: 8:52
